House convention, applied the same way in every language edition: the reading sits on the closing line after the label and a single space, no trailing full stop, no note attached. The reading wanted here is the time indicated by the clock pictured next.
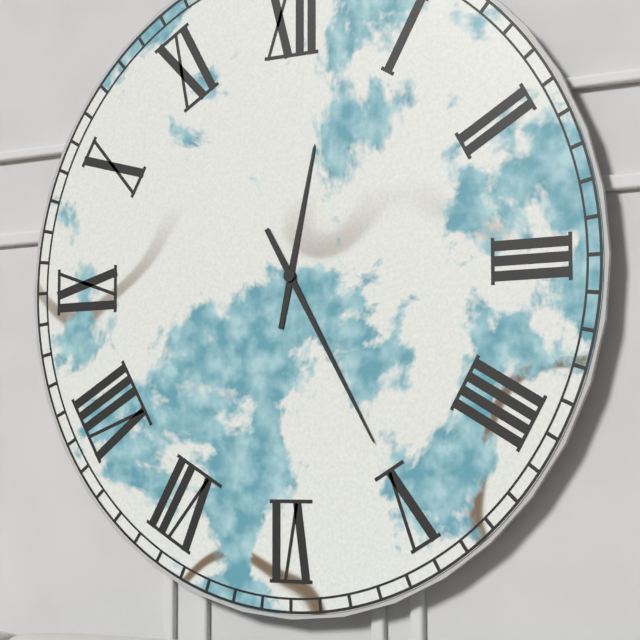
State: 12:25
